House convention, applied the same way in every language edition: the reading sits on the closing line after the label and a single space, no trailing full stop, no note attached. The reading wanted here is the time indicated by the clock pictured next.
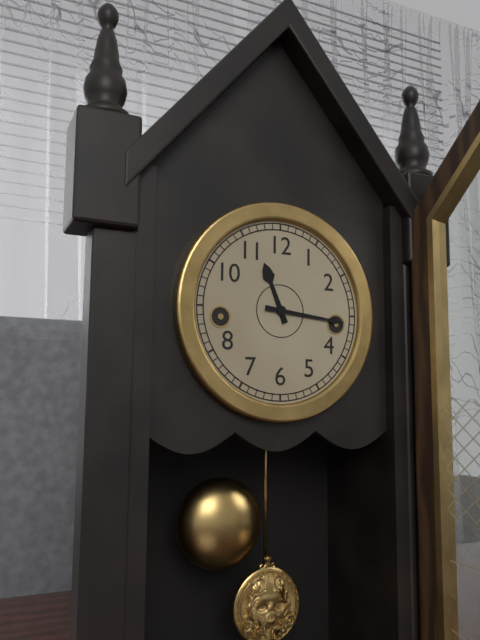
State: 11:16
